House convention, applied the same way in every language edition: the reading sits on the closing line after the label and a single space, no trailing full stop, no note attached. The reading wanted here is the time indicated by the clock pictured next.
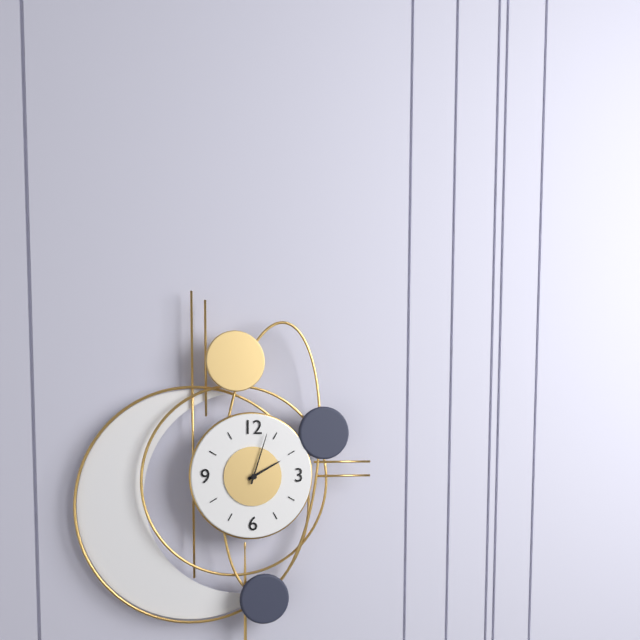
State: 2:03
